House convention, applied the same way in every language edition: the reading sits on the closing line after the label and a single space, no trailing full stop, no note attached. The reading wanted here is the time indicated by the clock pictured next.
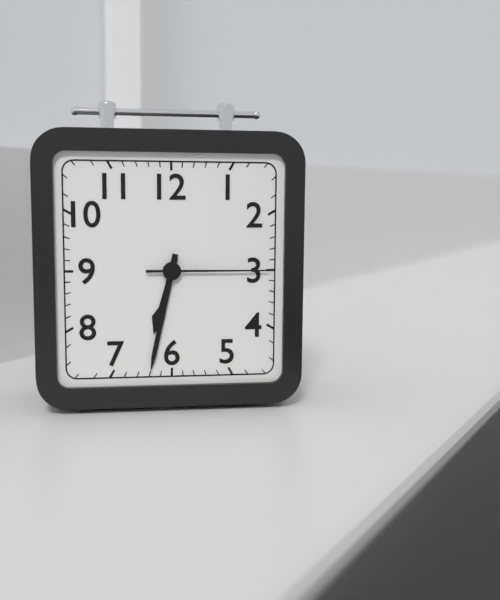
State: 6:32:15
